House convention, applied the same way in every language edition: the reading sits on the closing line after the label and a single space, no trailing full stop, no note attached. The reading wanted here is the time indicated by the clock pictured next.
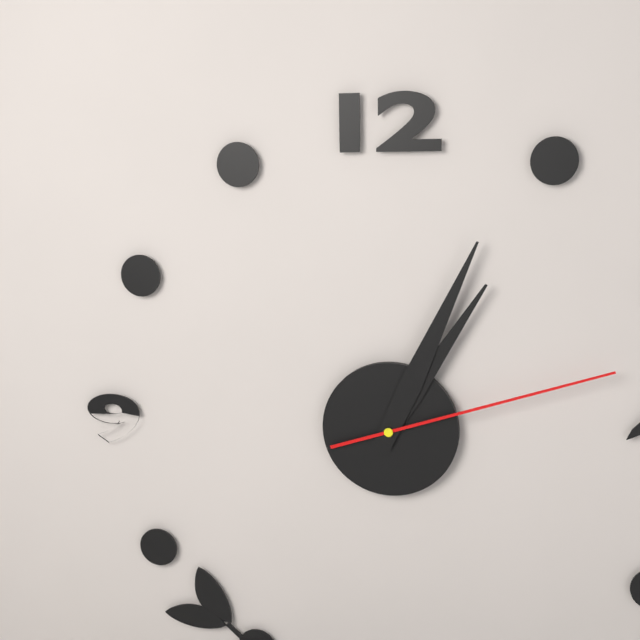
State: 1:04:12
